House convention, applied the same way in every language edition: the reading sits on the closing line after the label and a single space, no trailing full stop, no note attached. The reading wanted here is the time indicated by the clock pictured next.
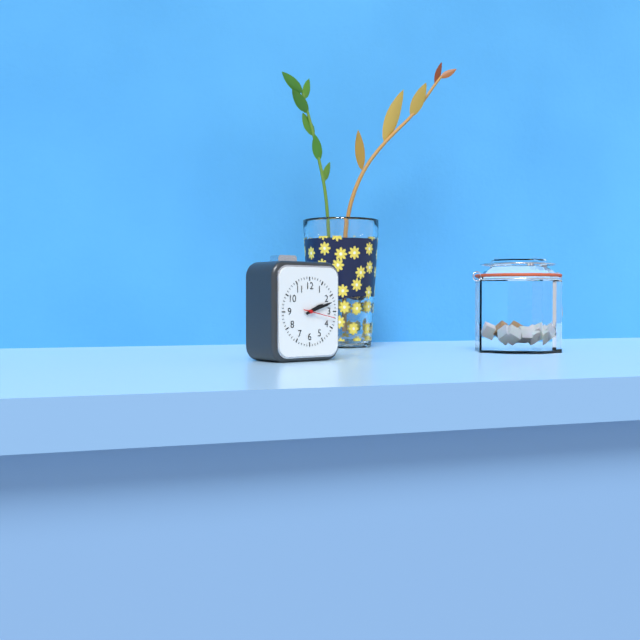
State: 2:12
